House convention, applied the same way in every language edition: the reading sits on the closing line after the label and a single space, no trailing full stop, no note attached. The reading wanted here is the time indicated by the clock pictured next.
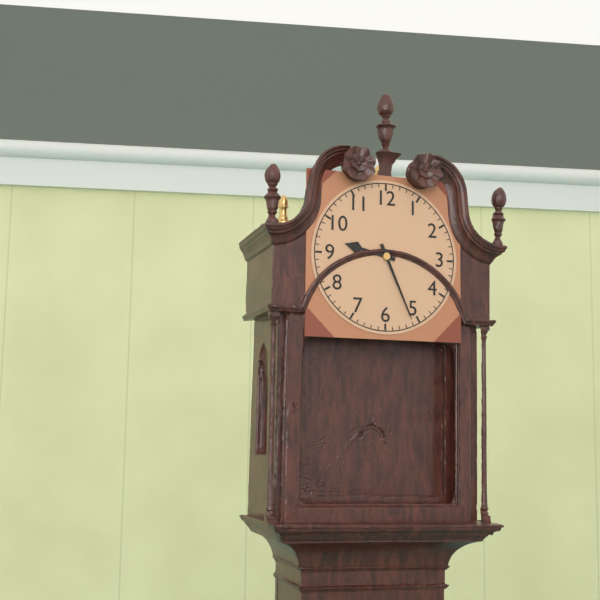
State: 9:26
